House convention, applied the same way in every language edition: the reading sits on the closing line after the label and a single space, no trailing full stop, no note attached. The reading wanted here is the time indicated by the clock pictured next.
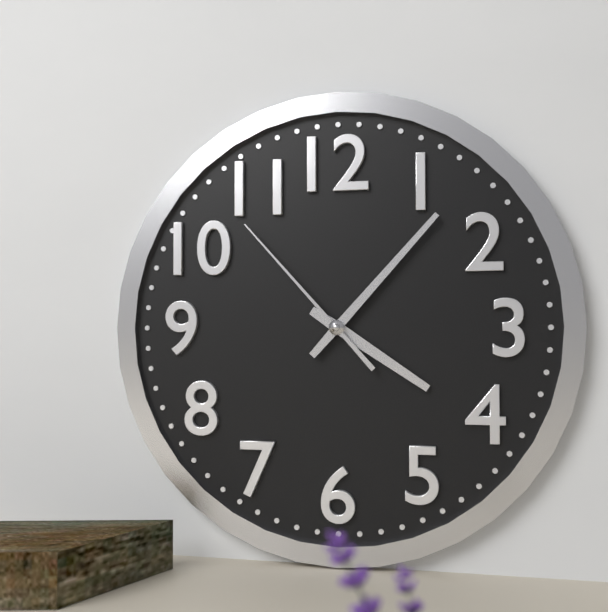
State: 4:07:53
